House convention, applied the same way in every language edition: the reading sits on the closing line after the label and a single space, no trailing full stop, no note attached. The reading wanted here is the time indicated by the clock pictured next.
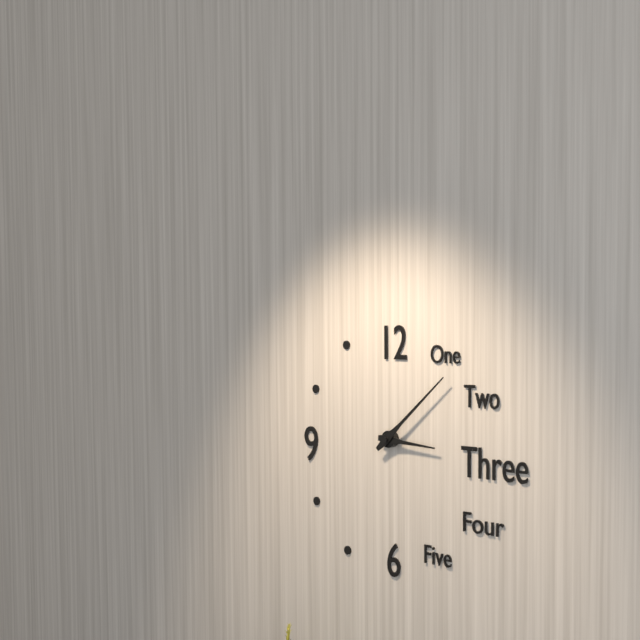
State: 3:08
